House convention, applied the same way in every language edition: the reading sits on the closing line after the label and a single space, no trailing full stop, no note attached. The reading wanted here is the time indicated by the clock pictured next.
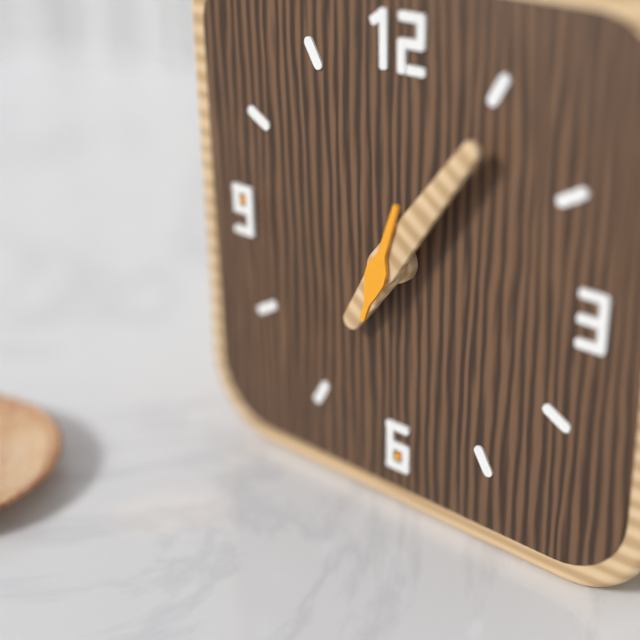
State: 7:06:03
